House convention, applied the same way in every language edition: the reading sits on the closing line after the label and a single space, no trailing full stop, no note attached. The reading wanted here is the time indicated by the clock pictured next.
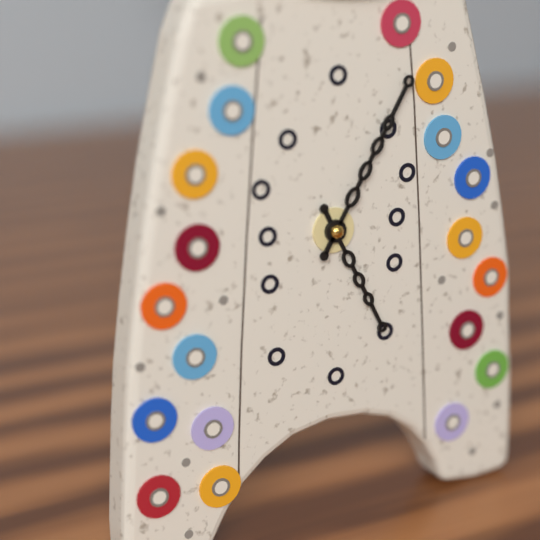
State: 5:05
